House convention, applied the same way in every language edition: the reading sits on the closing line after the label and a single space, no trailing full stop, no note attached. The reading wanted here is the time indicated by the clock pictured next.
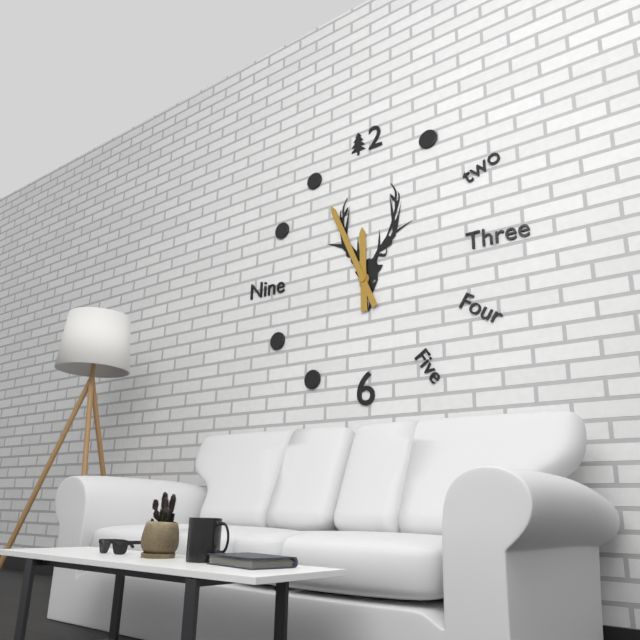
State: 11:56
